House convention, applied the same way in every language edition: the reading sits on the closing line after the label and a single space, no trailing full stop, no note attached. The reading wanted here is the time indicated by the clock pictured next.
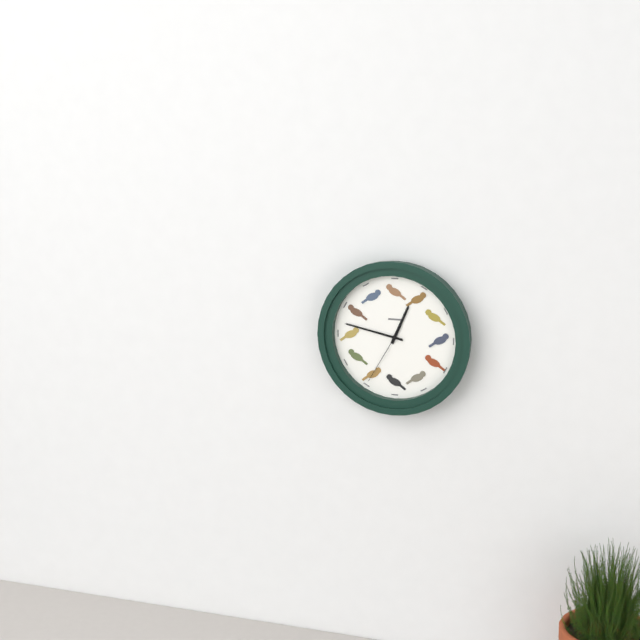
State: 12:47:35
